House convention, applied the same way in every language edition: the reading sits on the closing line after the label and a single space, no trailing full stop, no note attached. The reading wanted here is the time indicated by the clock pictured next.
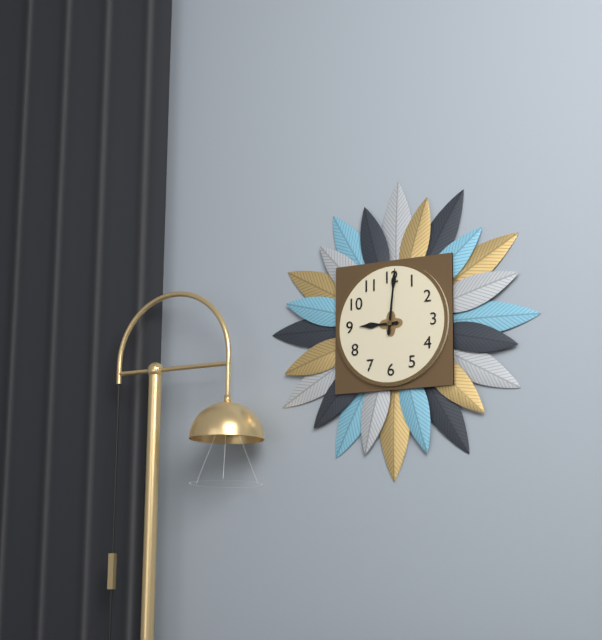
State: 9:01
